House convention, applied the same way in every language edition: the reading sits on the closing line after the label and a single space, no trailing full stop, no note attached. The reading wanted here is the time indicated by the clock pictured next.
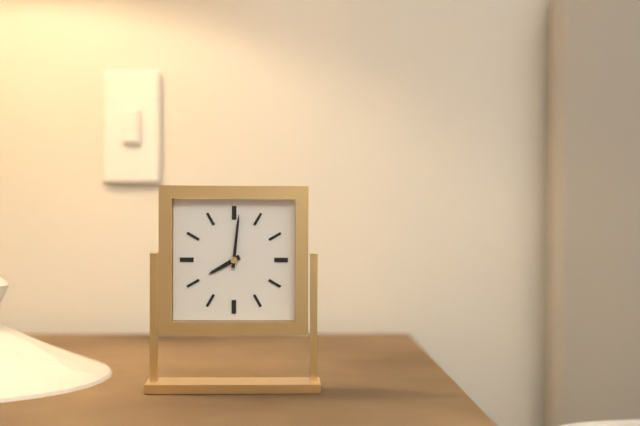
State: 8:01
